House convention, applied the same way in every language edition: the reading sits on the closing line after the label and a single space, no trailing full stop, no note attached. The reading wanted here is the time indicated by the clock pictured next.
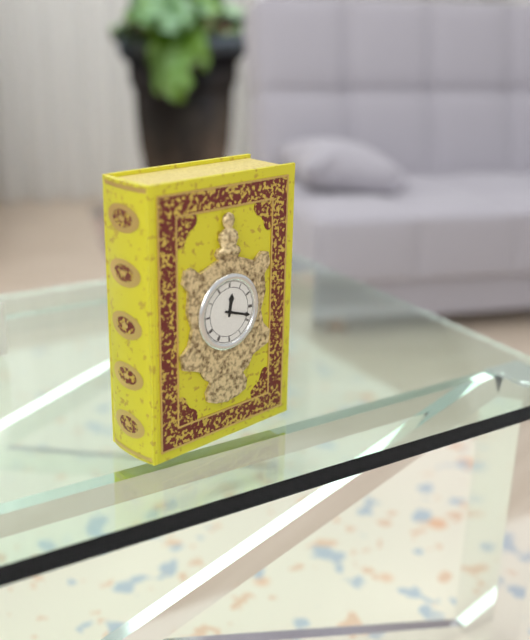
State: 12:18
